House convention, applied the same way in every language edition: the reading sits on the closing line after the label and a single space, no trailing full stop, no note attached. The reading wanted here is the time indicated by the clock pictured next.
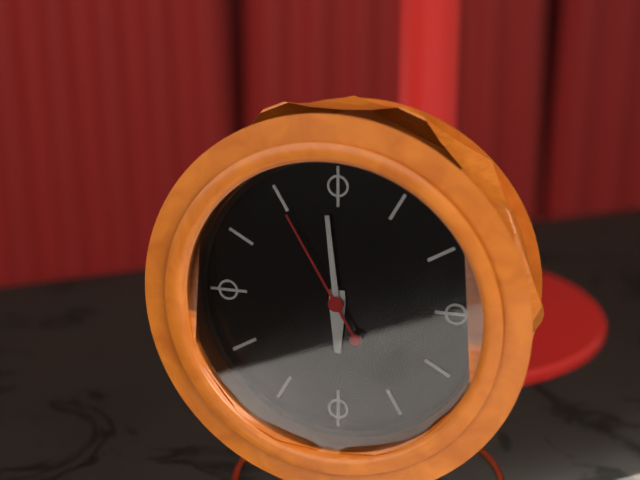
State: 5:59:55
